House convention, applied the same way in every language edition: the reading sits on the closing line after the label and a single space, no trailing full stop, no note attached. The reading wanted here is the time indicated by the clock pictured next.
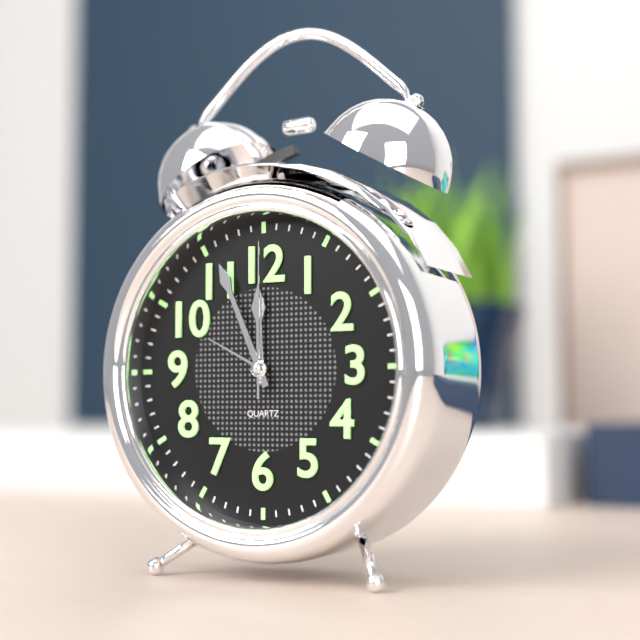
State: 11:56:00
